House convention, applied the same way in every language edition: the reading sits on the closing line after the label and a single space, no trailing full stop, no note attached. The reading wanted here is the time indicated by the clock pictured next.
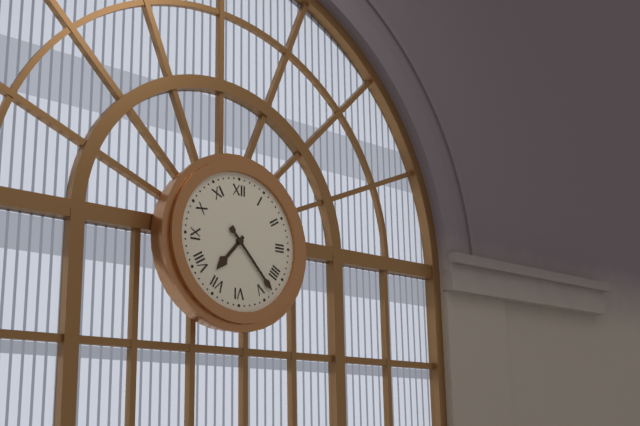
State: 7:23
